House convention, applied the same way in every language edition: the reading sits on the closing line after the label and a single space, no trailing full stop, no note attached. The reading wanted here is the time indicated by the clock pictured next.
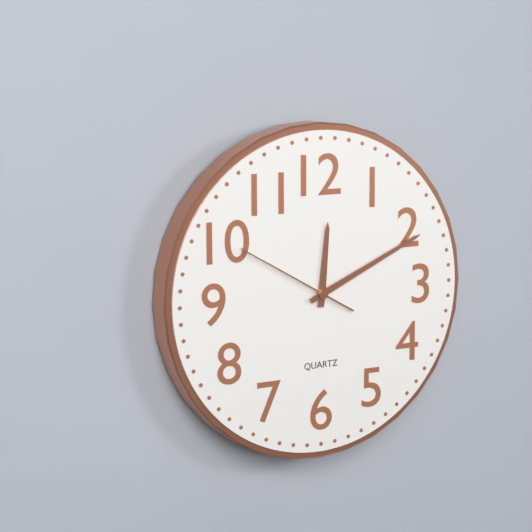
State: 12:11:50
